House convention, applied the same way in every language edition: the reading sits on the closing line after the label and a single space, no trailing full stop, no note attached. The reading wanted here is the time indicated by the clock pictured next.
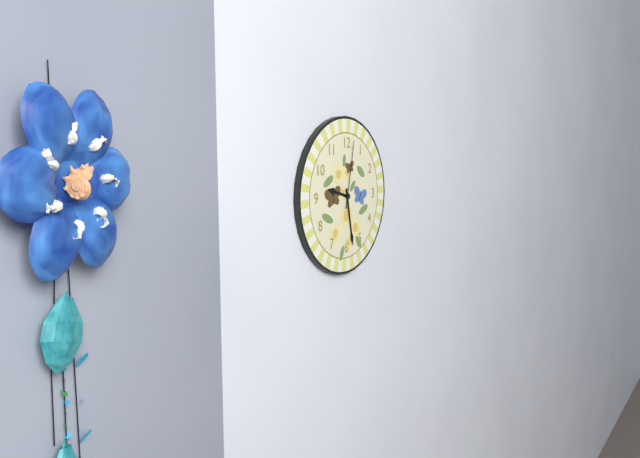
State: 9:28:02
